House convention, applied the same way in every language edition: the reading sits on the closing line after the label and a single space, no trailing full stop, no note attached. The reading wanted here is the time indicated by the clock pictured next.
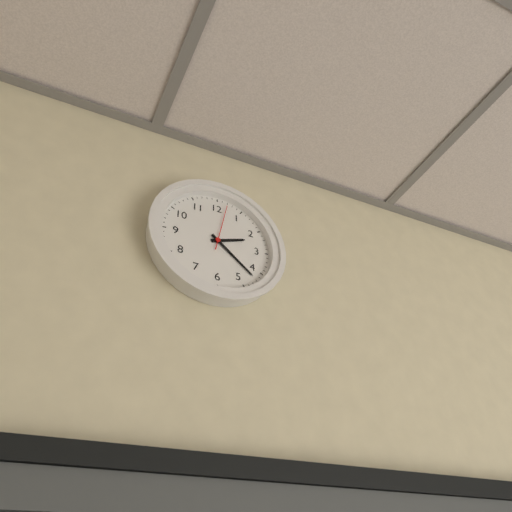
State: 2:22
